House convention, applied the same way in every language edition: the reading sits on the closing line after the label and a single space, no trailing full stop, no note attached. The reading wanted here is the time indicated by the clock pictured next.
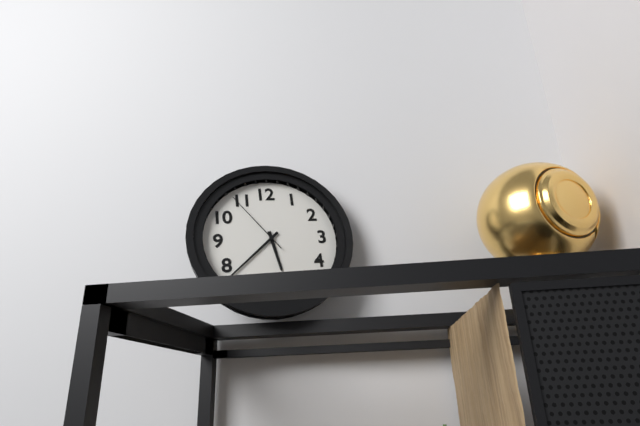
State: 5:38:54
